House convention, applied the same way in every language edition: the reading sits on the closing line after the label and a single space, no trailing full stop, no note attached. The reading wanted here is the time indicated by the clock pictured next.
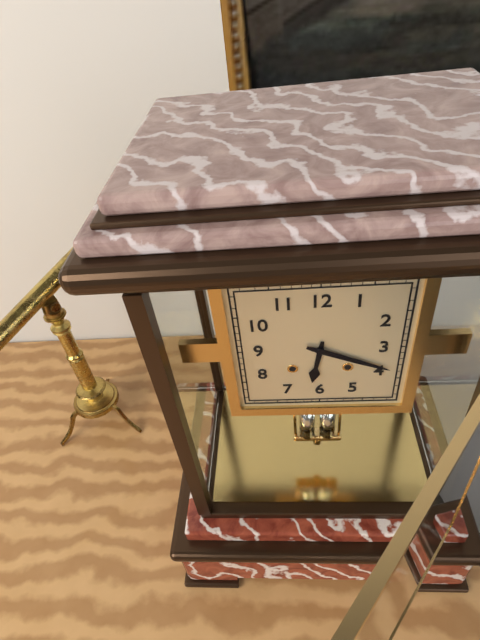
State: 6:19
